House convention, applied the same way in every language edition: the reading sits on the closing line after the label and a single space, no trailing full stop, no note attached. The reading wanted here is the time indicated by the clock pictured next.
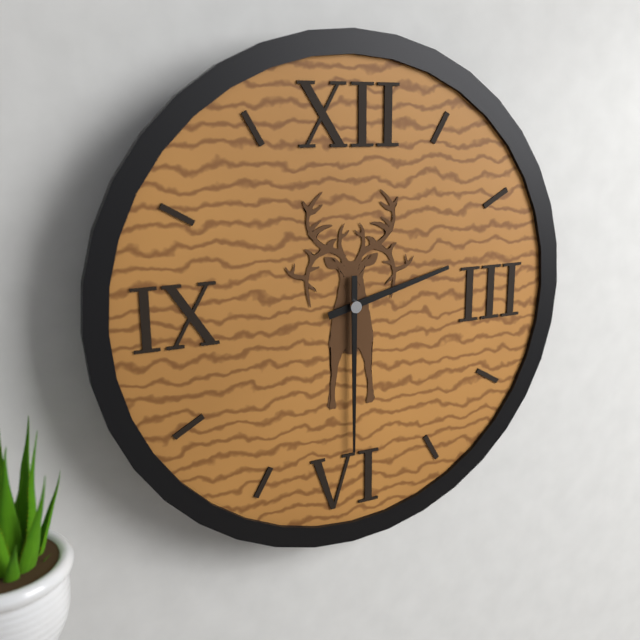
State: 2:30
